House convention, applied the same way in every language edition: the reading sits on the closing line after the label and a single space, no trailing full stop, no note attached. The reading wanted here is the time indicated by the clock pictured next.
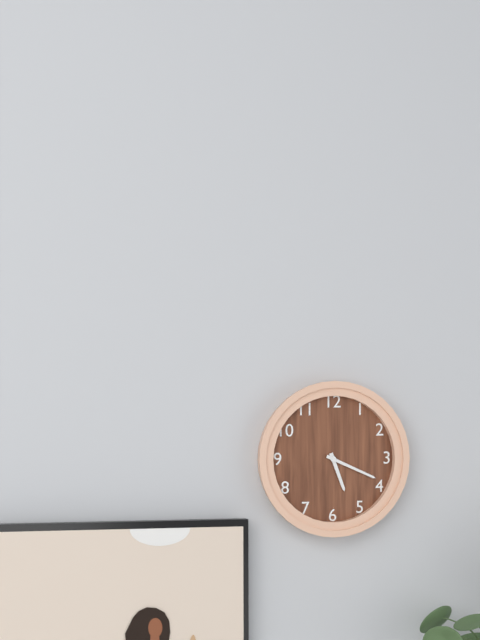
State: 5:19
